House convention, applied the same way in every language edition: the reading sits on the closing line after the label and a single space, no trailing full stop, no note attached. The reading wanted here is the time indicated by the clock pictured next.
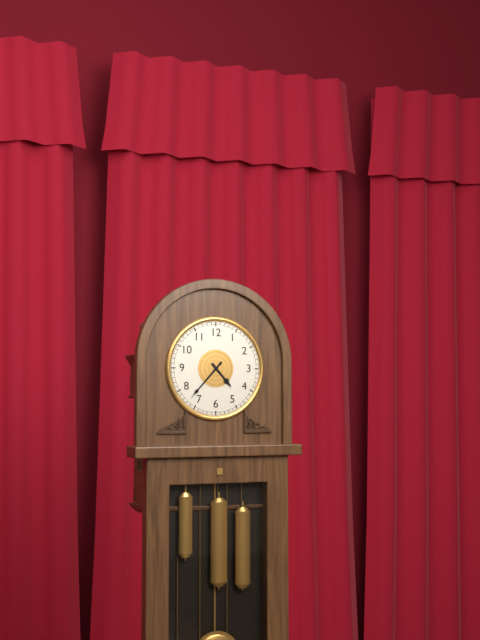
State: 4:37
